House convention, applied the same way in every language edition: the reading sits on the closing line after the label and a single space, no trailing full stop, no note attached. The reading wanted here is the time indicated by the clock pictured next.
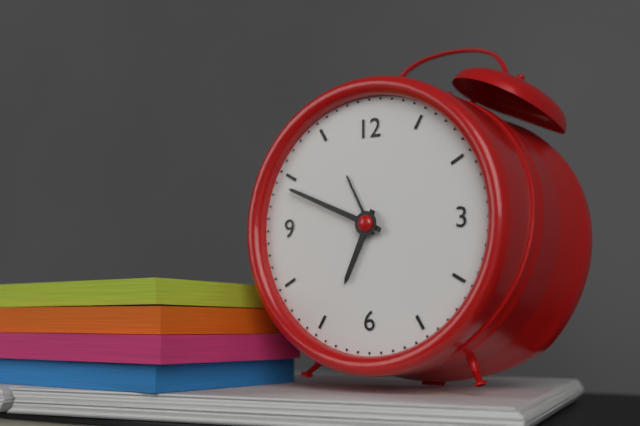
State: 6:49
